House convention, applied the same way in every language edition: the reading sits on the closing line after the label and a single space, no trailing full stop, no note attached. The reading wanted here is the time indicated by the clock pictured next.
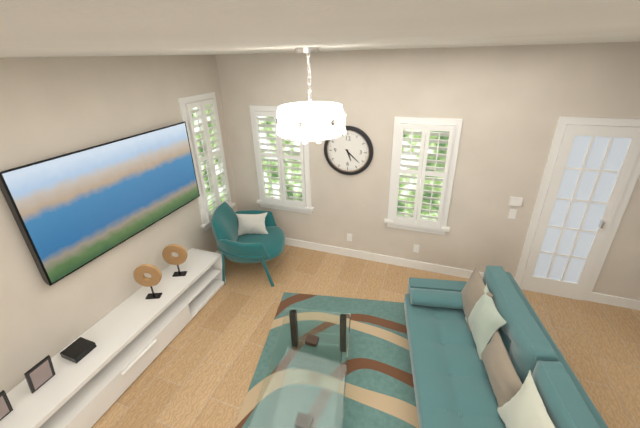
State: 5:22
